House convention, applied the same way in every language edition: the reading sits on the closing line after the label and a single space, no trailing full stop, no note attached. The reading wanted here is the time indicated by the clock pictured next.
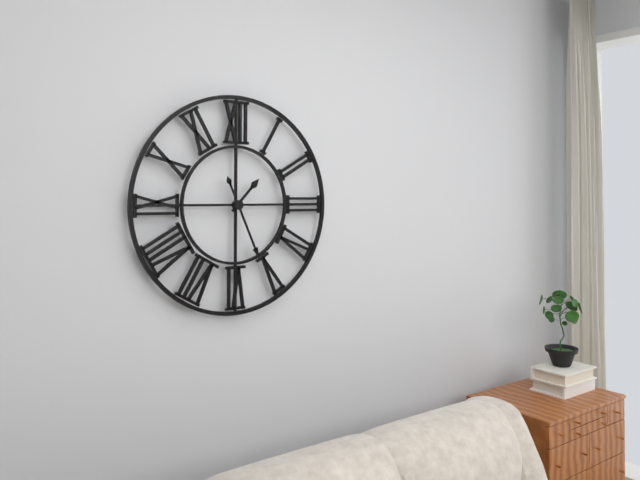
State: 1:26
